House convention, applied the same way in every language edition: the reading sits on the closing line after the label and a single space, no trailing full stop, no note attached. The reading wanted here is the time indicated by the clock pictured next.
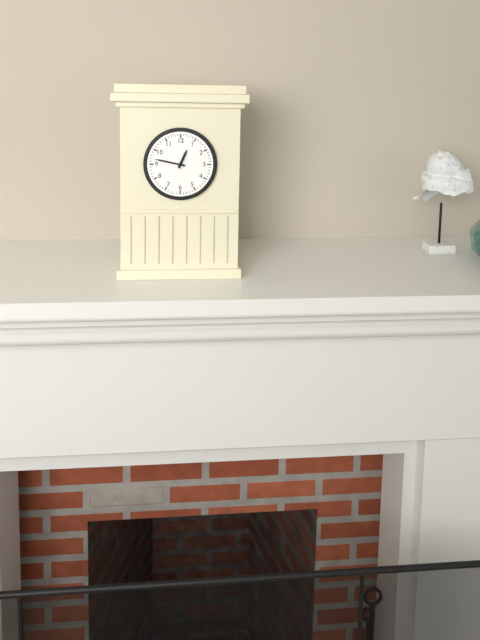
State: 12:47
